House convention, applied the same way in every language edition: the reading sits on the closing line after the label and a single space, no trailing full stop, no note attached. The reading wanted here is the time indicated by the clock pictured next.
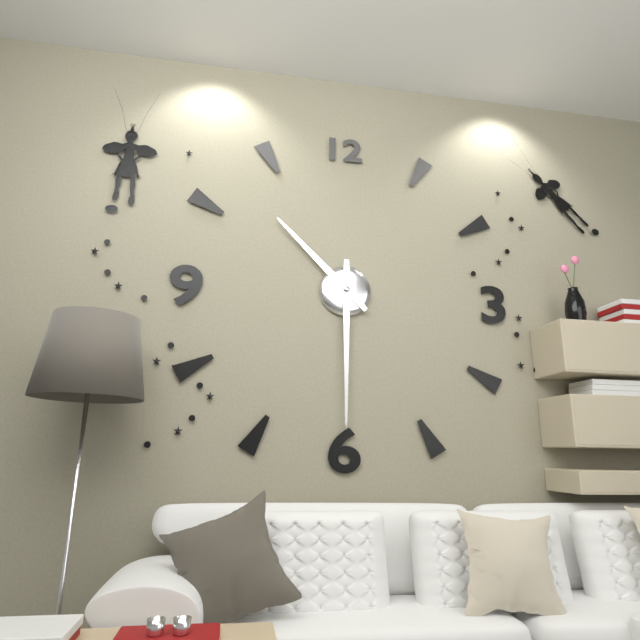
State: 10:30
